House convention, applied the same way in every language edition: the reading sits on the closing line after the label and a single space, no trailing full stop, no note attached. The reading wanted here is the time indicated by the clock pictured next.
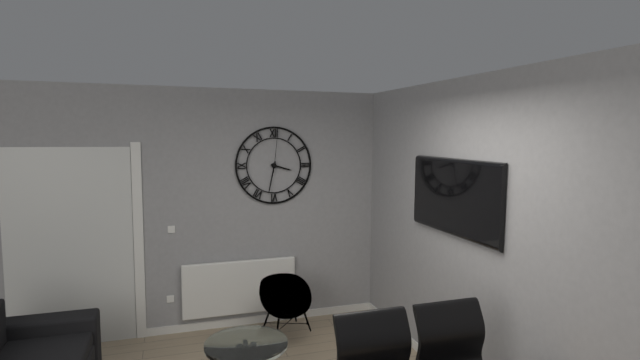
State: 3:32
